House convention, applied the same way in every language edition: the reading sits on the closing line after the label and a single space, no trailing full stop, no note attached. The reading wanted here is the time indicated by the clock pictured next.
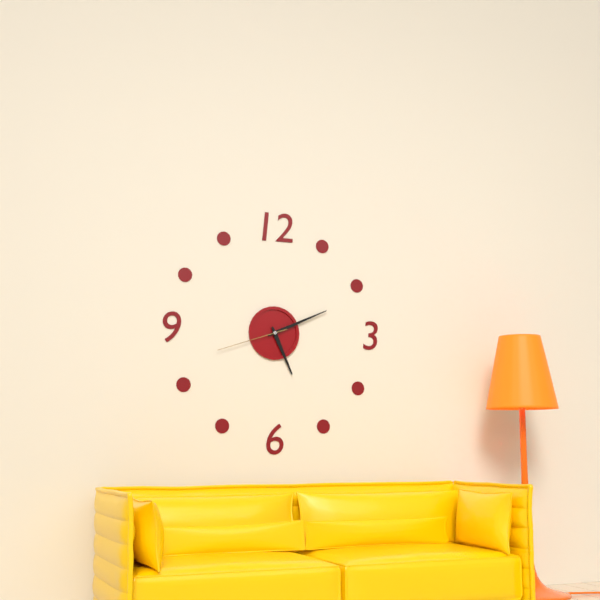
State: 5:11:42
